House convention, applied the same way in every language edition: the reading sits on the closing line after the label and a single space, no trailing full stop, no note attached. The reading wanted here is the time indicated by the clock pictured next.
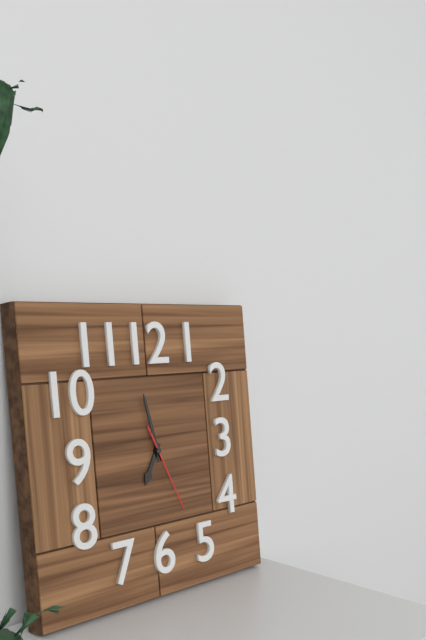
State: 6:58:26
